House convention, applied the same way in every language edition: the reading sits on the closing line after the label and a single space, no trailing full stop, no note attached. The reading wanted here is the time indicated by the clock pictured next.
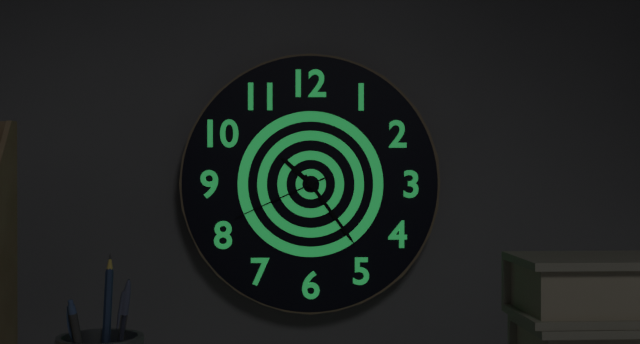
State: 10:24:41
